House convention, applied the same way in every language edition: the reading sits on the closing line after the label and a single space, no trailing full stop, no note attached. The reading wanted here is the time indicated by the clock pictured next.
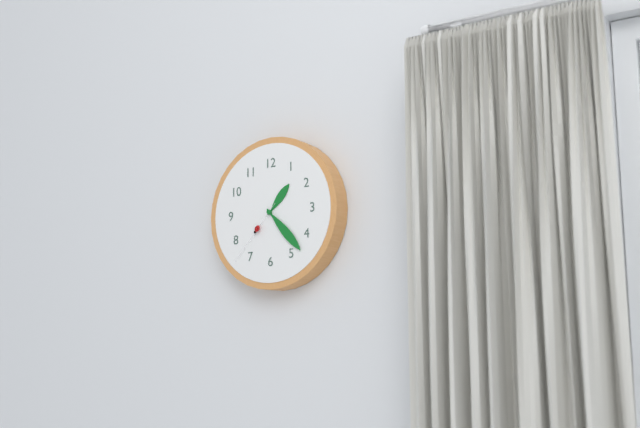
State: 1:23:37
